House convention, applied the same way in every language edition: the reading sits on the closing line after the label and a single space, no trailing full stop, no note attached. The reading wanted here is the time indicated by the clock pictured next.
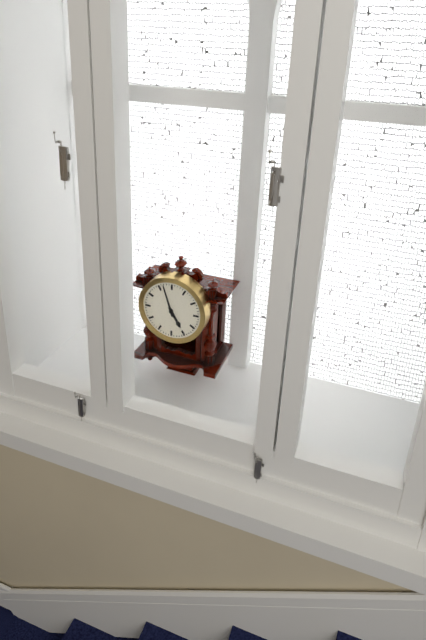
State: 4:57
